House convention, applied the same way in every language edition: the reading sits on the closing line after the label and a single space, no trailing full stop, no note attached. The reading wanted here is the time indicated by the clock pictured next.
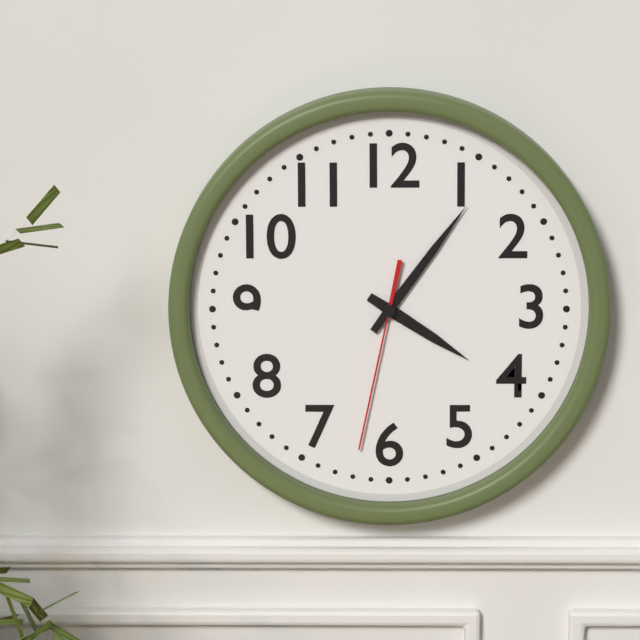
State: 4:06:32
